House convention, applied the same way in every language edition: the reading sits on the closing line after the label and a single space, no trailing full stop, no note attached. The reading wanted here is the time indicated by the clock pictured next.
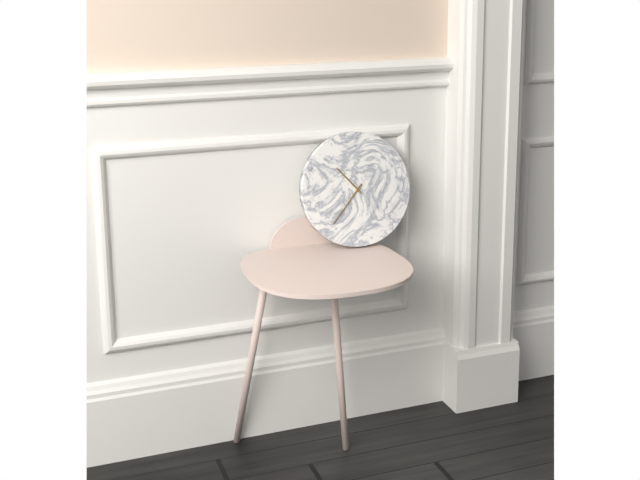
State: 10:37
